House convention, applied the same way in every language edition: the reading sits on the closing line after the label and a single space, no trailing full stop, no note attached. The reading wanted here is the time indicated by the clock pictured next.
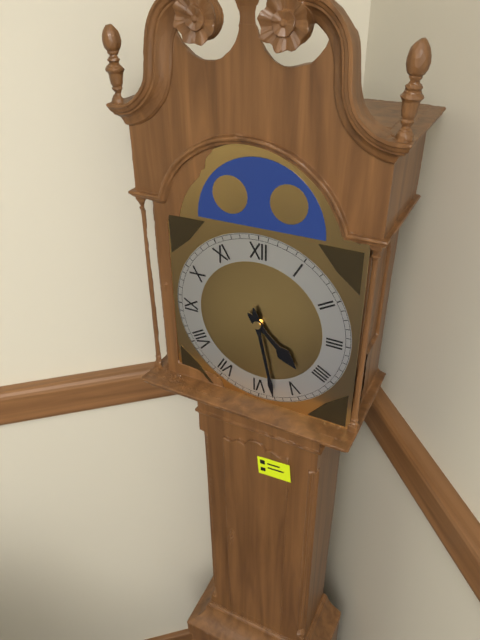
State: 4:28
